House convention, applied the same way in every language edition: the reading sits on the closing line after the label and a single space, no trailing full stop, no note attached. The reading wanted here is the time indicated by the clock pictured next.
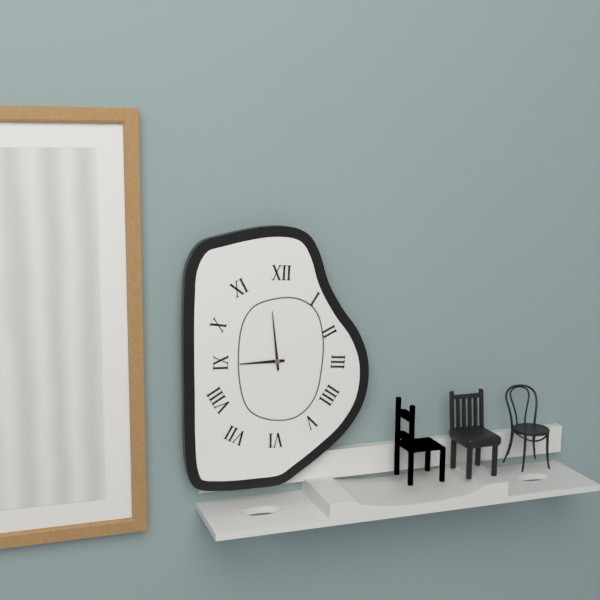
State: 8:59
